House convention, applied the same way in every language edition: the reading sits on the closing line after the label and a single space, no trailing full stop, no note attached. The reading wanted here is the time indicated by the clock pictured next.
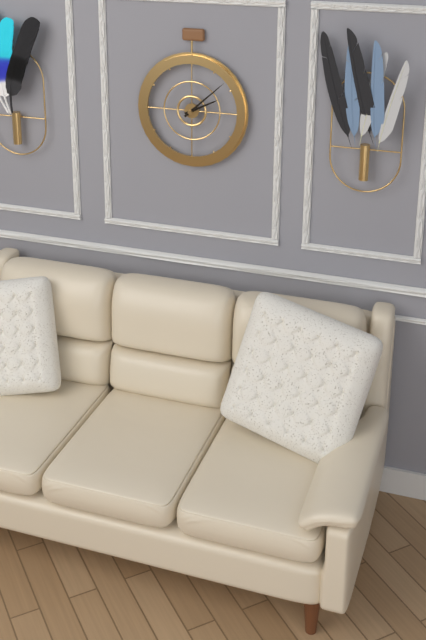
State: 2:08
